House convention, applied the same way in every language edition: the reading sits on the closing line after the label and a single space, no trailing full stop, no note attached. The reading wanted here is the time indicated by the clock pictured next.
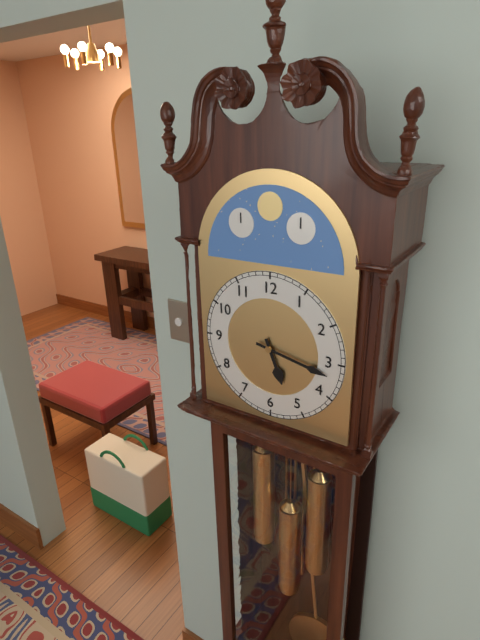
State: 5:17
